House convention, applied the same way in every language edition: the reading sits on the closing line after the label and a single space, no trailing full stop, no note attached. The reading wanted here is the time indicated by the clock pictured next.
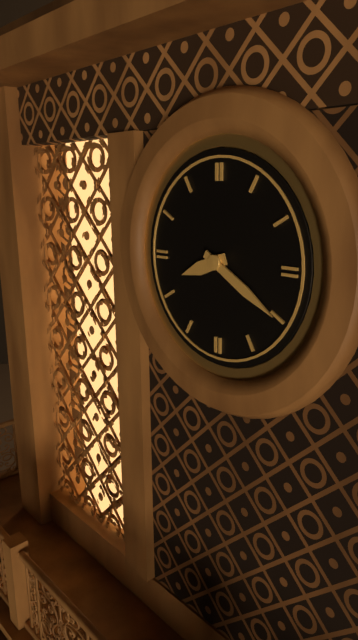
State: 8:20
